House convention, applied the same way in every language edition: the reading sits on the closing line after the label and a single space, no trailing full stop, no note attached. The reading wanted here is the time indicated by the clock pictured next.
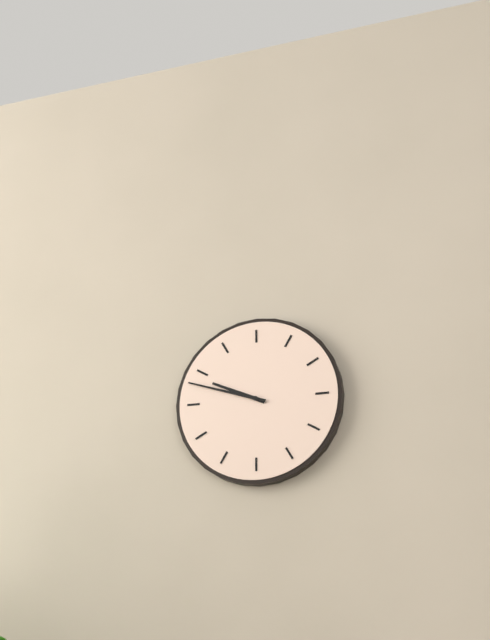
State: 9:48
